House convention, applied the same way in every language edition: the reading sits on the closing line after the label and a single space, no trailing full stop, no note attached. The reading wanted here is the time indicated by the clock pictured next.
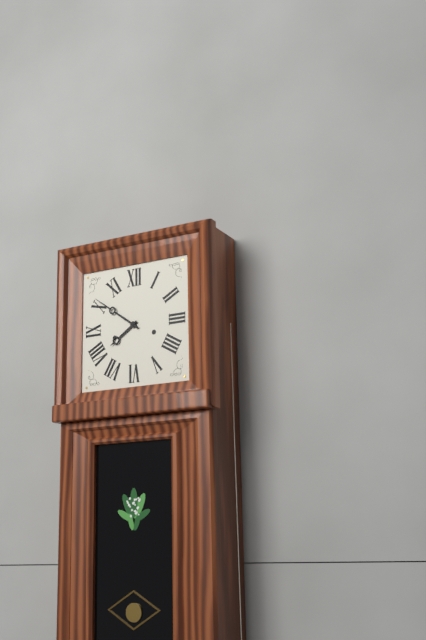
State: 7:51
